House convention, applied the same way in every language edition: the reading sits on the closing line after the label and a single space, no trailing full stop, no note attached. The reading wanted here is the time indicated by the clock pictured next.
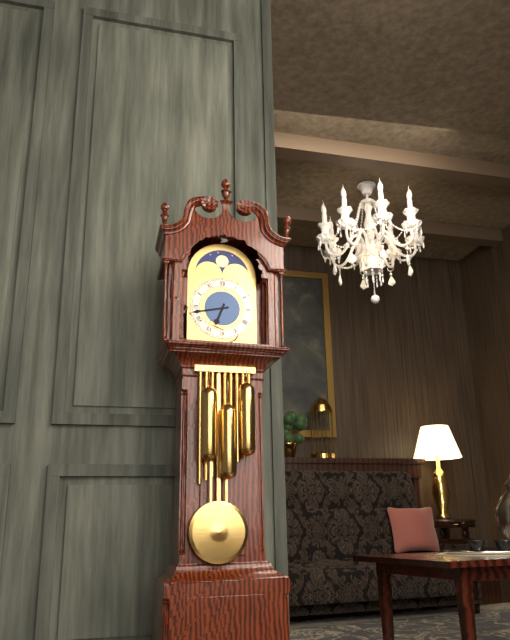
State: 6:43
